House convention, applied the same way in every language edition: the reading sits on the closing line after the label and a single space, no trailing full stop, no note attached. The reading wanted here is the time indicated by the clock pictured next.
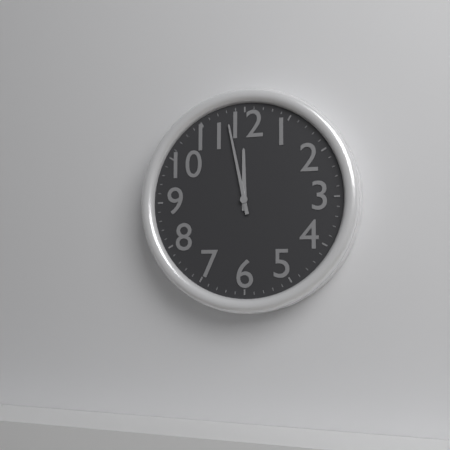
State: 11:58
